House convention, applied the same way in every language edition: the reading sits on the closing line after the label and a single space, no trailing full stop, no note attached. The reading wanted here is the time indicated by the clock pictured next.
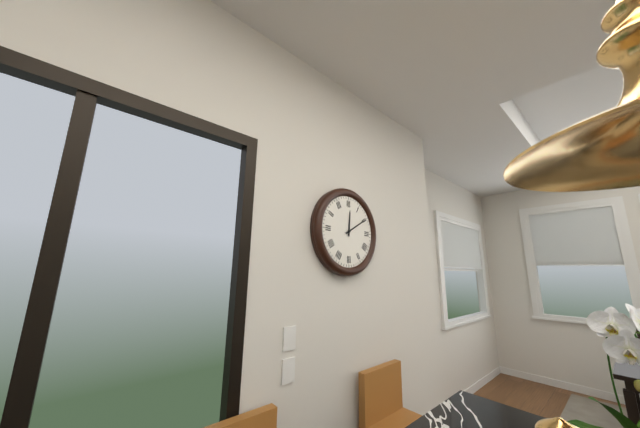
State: 12:10
